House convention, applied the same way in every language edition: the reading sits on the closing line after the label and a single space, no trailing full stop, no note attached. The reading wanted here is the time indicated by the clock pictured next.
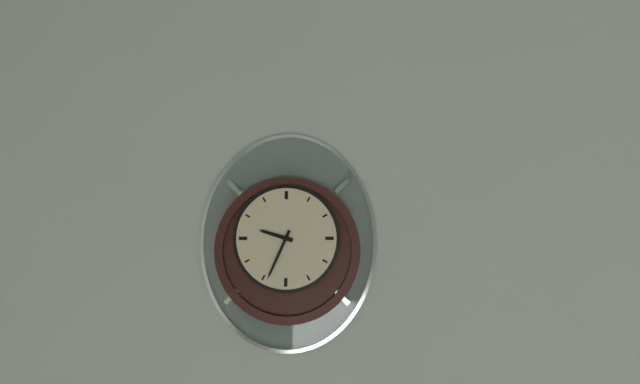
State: 9:34
